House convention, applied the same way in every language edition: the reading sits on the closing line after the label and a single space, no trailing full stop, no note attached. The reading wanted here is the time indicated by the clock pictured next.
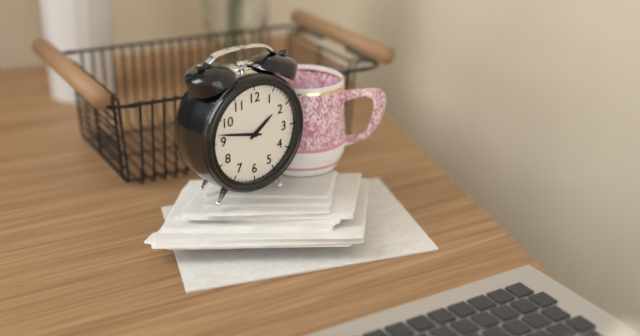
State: 1:47
